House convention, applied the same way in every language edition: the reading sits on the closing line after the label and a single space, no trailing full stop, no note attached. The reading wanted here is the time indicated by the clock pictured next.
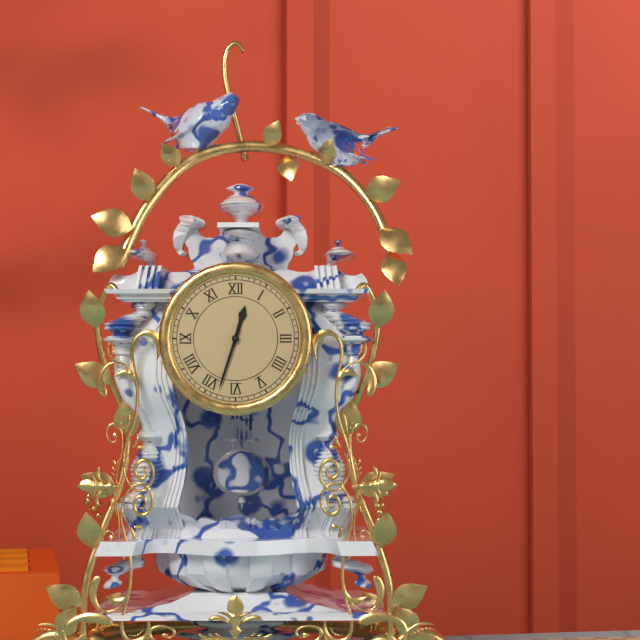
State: 12:33
